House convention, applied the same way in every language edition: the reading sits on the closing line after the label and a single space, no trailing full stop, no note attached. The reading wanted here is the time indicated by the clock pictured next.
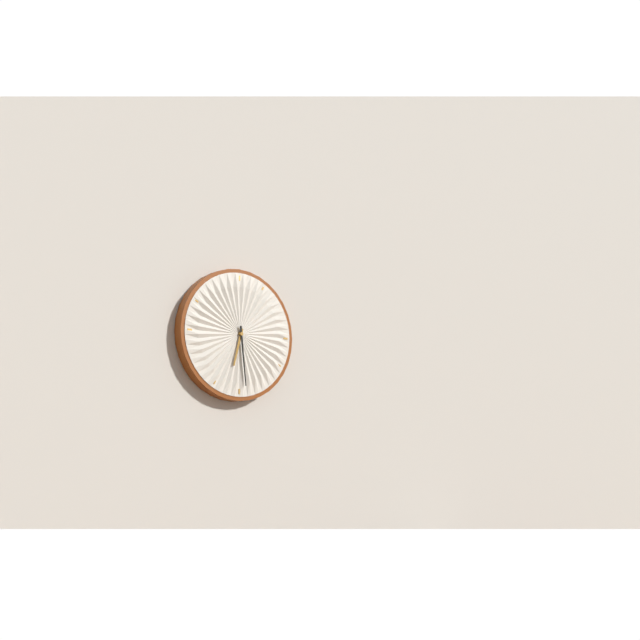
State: 6:29
